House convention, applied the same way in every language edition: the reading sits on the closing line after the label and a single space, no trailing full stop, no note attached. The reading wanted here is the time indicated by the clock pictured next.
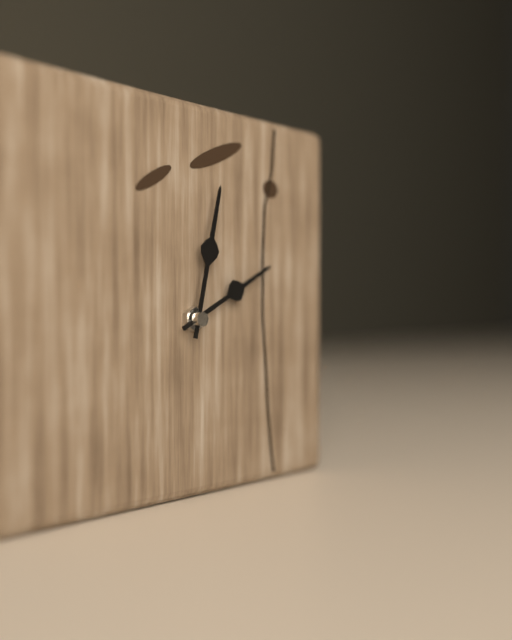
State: 2:02
